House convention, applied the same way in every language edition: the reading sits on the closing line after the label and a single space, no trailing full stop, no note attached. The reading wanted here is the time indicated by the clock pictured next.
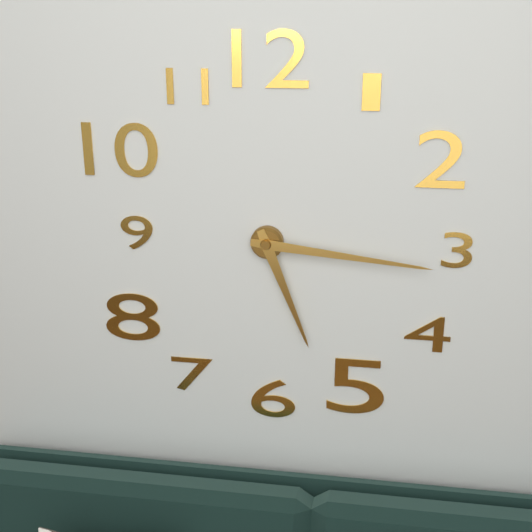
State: 5:16
